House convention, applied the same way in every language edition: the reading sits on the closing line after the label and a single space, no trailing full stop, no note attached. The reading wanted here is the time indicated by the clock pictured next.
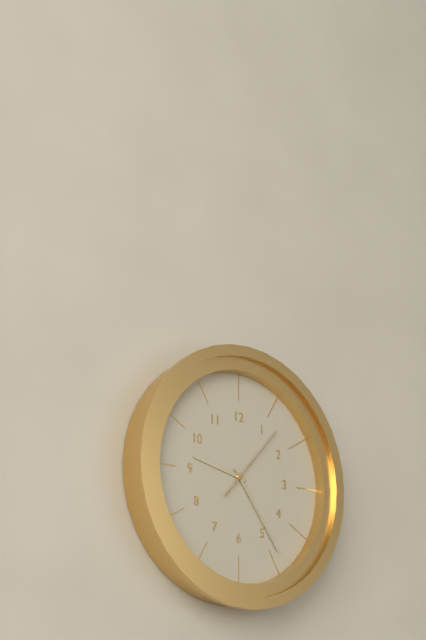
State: 9:24:07
